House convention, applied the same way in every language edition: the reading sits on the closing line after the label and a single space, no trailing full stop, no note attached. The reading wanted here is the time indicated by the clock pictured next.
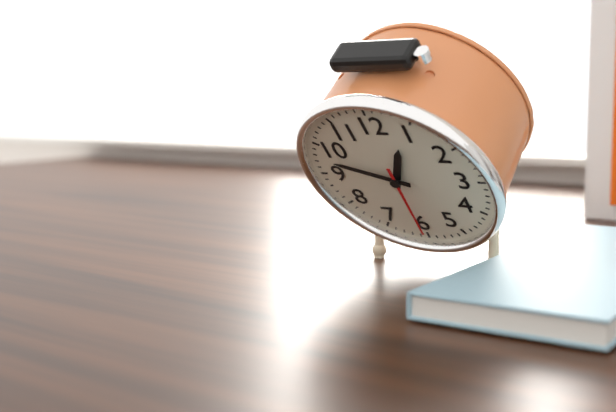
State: 12:48:30
